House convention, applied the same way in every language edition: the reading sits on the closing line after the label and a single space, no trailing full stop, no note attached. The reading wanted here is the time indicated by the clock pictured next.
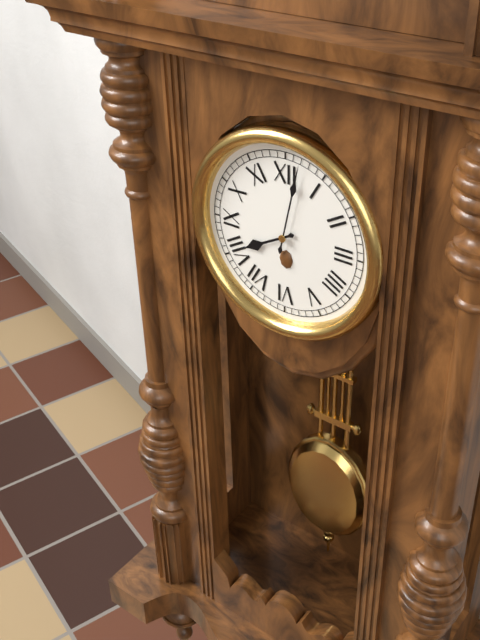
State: 8:02
